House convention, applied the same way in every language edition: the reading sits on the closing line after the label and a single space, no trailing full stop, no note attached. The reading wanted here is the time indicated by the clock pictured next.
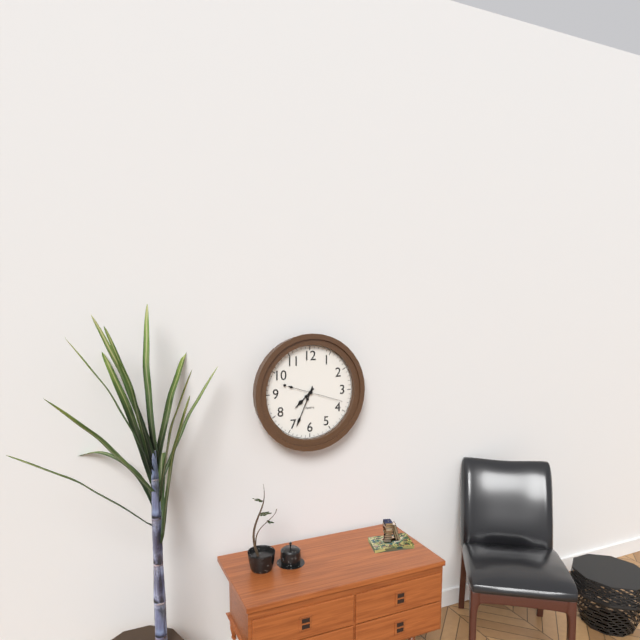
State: 7:34
